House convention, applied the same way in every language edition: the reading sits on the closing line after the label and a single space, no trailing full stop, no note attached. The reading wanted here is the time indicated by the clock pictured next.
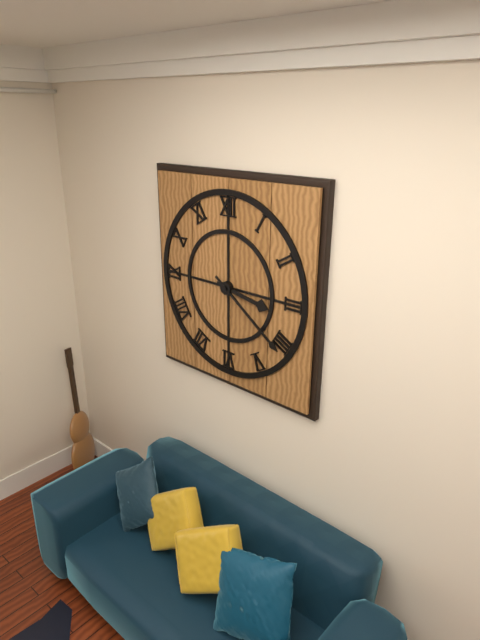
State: 3:21
